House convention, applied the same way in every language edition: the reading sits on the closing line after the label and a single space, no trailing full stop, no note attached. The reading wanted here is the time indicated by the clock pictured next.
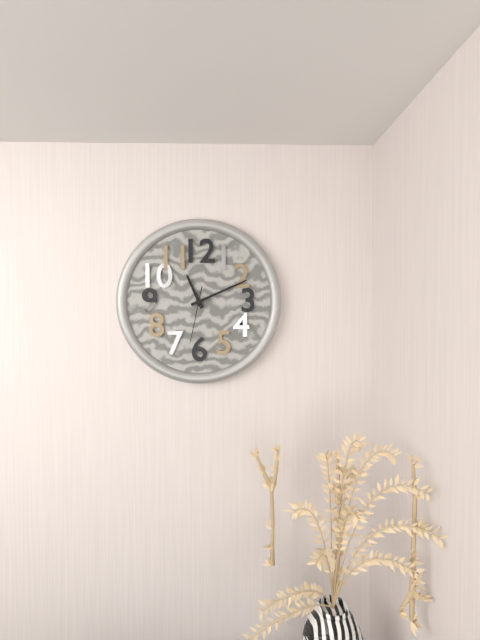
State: 11:11:32
